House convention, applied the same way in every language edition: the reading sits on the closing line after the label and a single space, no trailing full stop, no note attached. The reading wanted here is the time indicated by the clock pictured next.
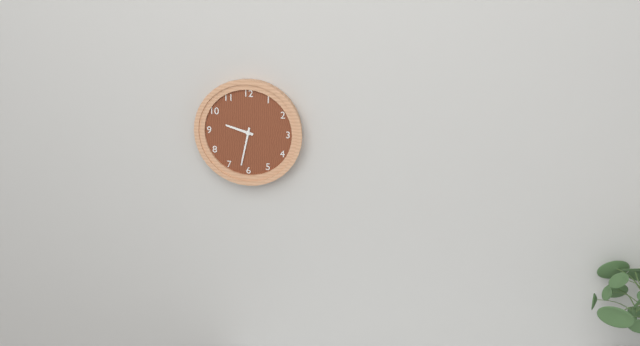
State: 9:32
